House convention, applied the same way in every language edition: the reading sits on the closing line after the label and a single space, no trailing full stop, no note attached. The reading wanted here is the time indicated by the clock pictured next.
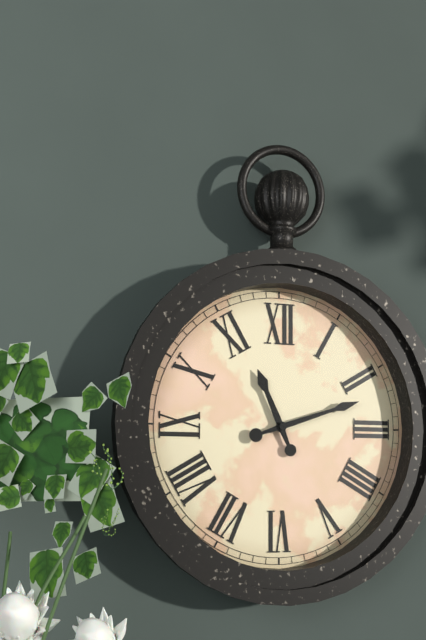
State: 11:12
